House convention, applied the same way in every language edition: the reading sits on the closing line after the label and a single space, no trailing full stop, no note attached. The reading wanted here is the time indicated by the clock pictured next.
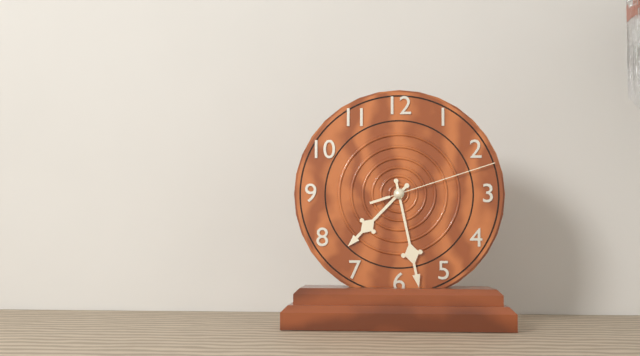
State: 7:28:12
